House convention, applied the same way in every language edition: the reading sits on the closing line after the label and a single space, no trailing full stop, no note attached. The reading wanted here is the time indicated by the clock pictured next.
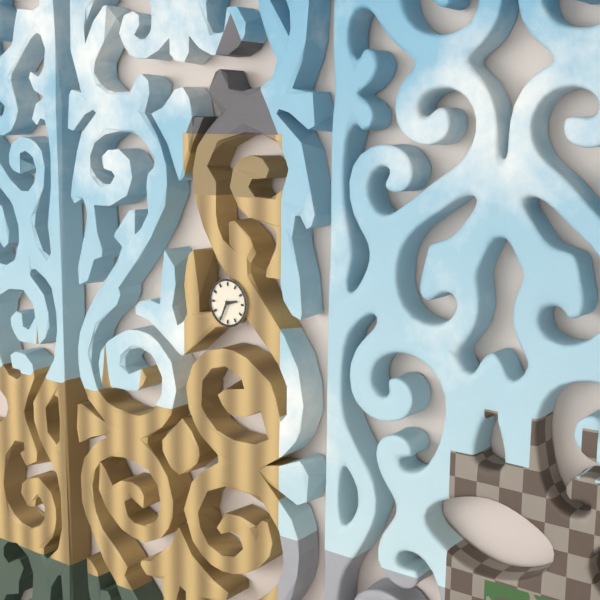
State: 2:34
